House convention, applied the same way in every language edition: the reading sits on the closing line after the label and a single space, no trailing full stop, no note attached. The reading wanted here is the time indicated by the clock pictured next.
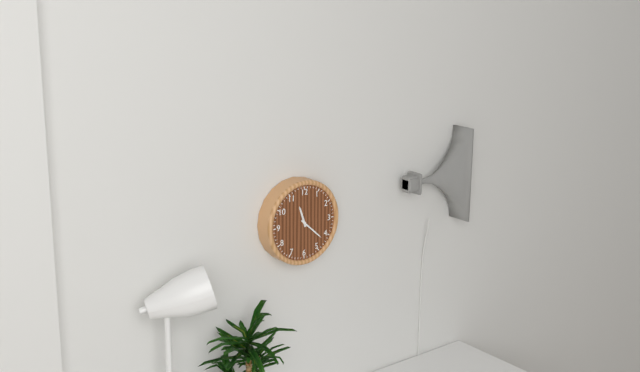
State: 11:22
